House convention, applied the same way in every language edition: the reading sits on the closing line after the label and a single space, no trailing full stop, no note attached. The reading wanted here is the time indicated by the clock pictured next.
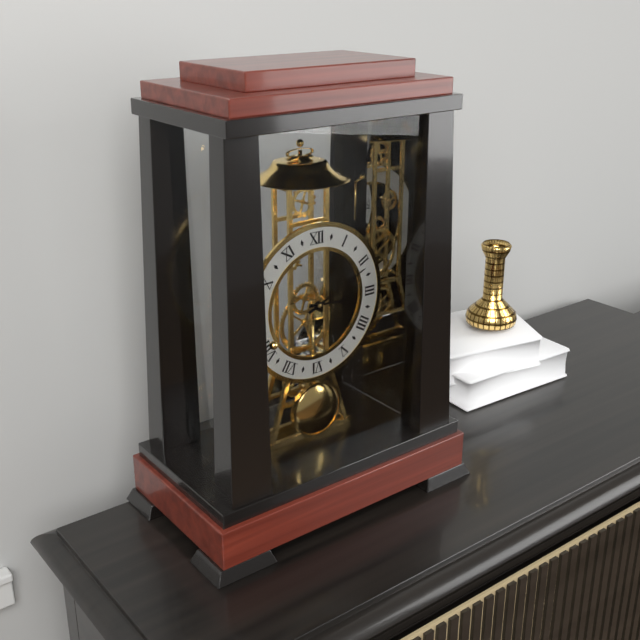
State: 3:11
